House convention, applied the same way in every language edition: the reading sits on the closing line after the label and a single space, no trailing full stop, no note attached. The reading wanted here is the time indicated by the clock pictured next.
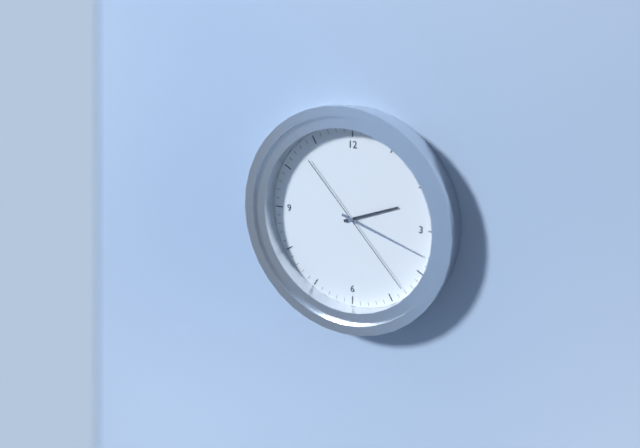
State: 2:18:23
